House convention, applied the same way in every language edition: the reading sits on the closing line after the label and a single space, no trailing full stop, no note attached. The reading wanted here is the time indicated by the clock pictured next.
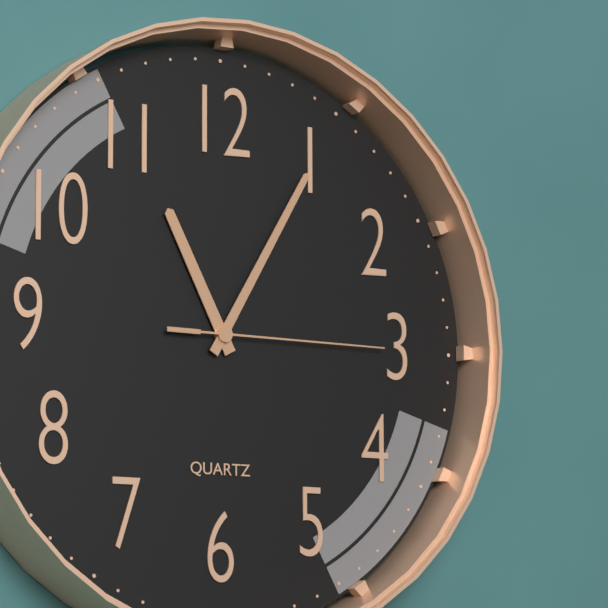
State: 11:05:15
